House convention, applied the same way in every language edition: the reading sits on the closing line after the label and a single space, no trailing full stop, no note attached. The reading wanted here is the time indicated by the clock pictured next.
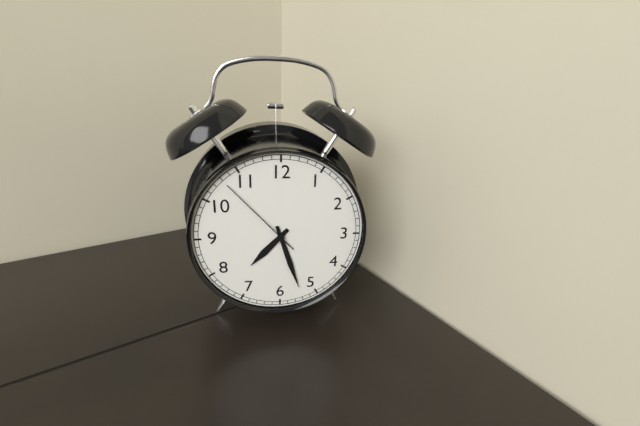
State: 7:27:53
